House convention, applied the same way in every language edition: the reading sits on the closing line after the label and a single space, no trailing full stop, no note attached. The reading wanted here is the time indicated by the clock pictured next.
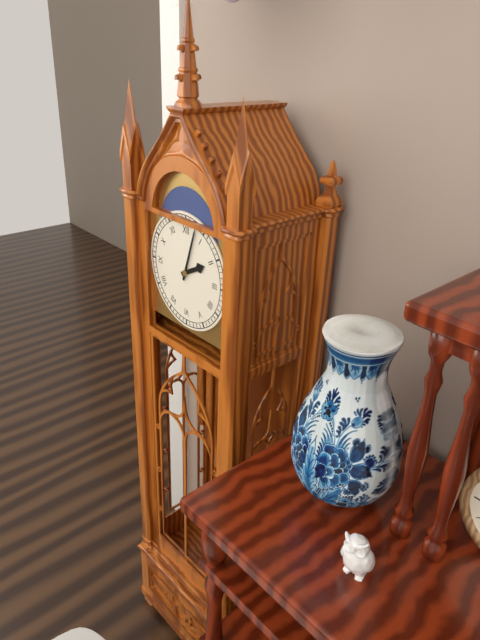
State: 2:03
